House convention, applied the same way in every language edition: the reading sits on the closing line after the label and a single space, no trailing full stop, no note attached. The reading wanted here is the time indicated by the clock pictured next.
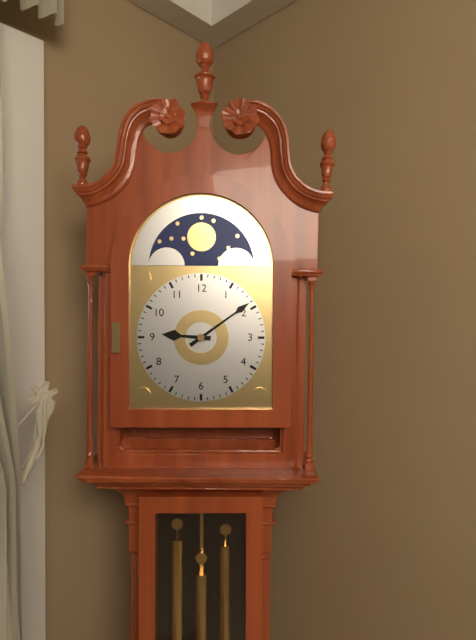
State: 9:09
